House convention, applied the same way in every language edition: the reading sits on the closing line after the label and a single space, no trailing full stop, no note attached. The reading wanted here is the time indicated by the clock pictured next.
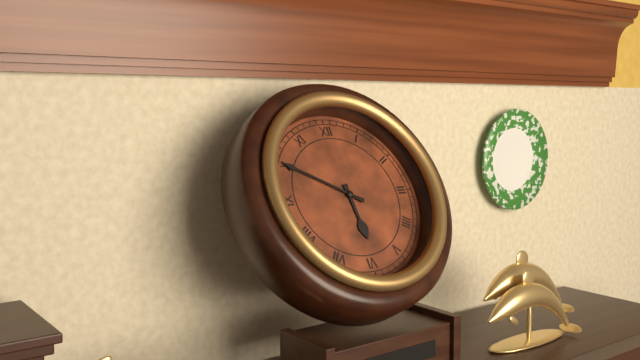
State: 5:50
